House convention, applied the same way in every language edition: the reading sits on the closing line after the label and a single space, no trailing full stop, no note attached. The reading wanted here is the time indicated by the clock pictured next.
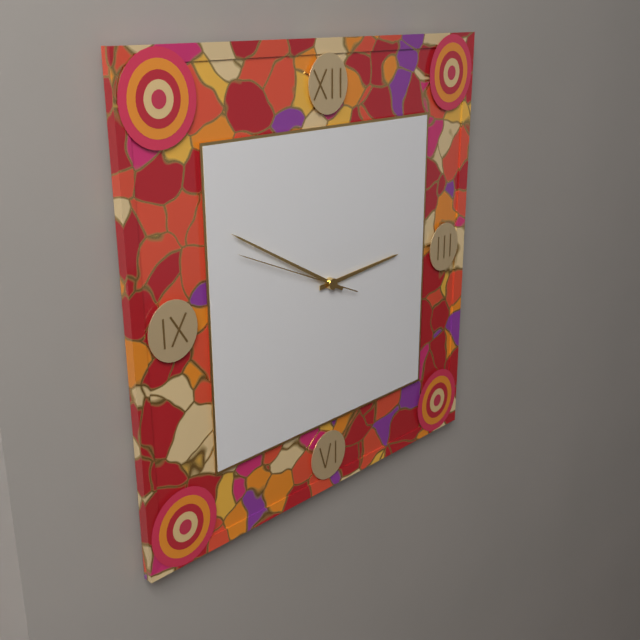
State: 2:50:49
